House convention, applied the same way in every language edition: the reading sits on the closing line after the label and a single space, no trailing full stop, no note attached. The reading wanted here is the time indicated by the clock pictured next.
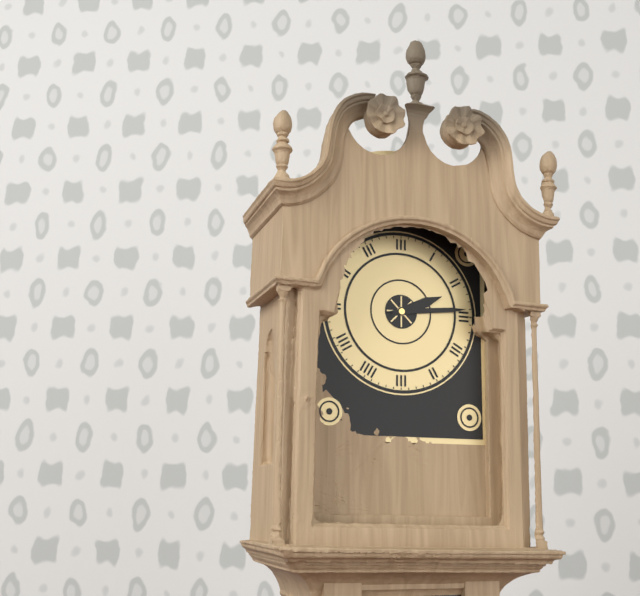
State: 2:14
